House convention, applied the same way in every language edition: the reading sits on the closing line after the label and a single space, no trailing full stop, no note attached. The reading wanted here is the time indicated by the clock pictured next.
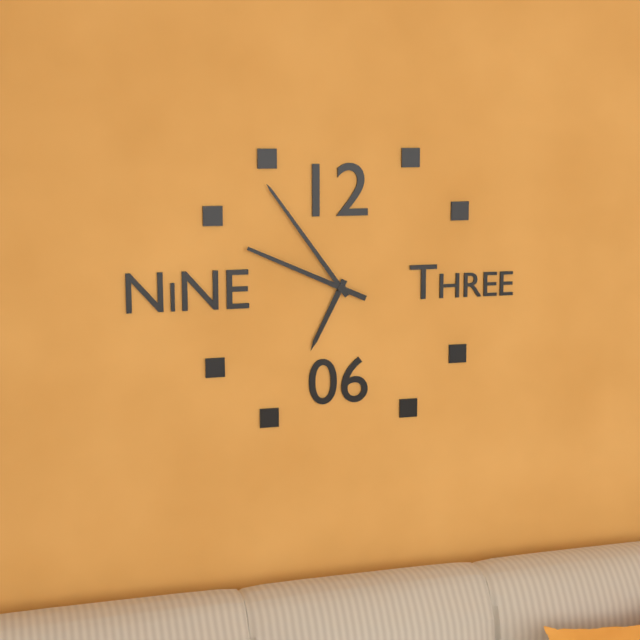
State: 6:54:49
